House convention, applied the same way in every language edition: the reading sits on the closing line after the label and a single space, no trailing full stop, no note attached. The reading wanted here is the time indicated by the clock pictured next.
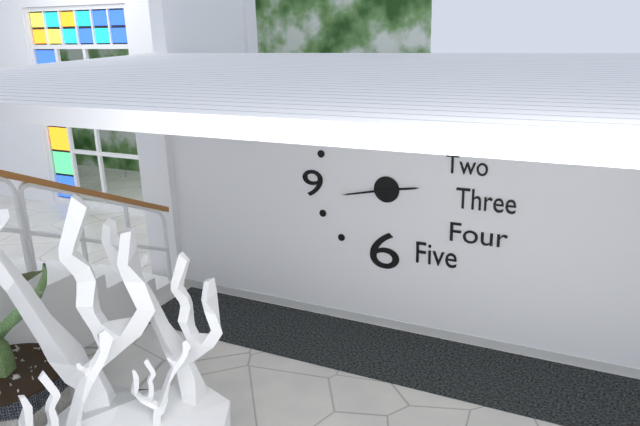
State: 2:43
